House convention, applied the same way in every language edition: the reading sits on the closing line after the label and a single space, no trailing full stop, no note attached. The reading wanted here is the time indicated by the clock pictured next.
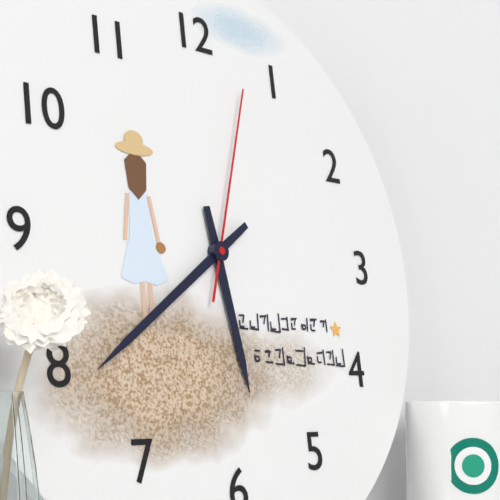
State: 5:39:03
